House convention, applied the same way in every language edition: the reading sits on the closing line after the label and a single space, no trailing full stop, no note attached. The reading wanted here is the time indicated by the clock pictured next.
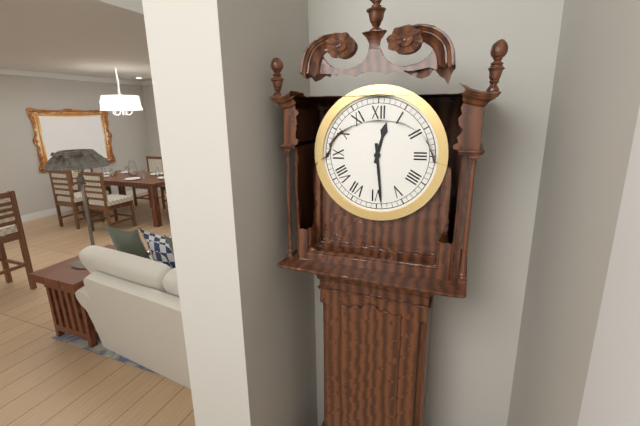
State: 12:29
